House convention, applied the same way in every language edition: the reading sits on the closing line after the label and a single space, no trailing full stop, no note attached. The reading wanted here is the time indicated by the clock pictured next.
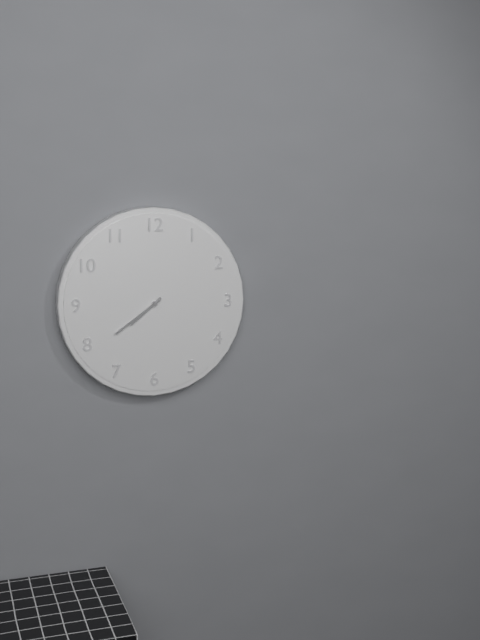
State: 7:39
